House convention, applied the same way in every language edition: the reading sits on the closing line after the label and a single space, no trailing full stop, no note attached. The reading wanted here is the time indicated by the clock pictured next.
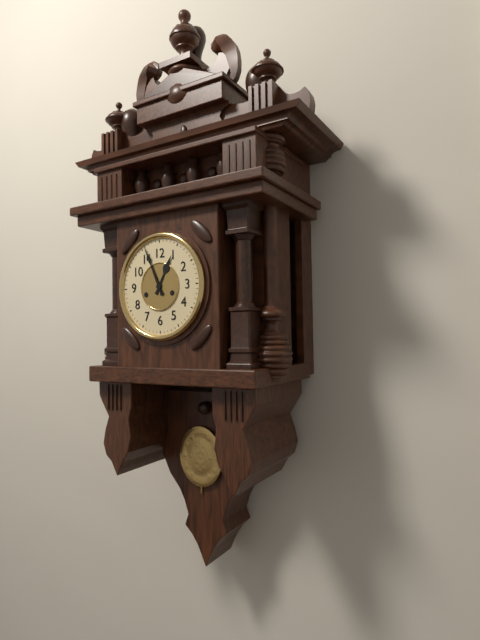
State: 12:56
